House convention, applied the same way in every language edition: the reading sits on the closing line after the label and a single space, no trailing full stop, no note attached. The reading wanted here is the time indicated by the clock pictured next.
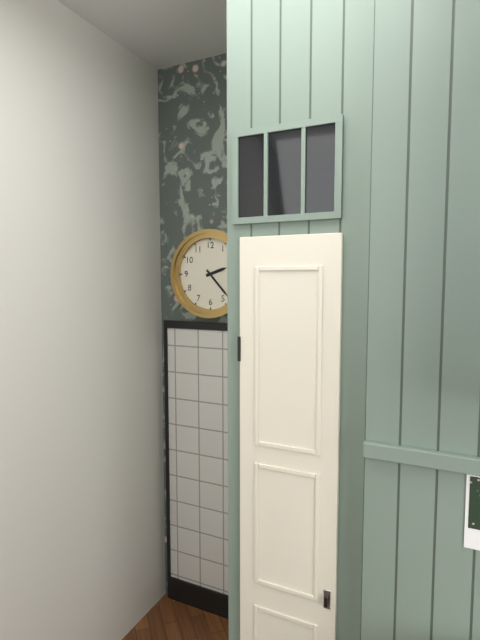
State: 2:23
